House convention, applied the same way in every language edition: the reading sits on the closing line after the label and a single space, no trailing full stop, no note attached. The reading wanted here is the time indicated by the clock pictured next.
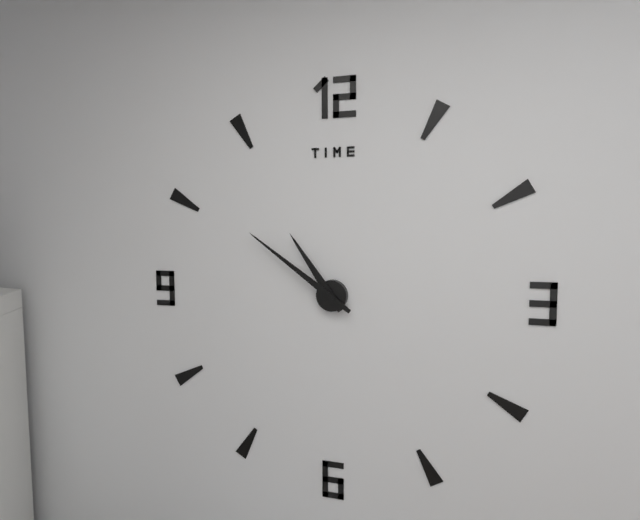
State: 10:51
